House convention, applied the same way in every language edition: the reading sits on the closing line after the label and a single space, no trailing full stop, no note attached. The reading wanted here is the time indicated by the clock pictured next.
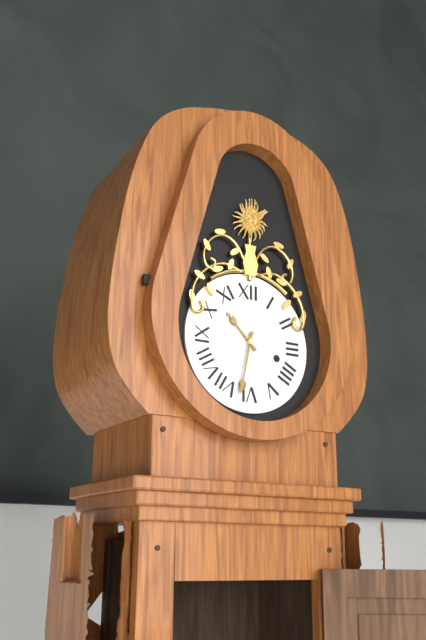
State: 10:32
